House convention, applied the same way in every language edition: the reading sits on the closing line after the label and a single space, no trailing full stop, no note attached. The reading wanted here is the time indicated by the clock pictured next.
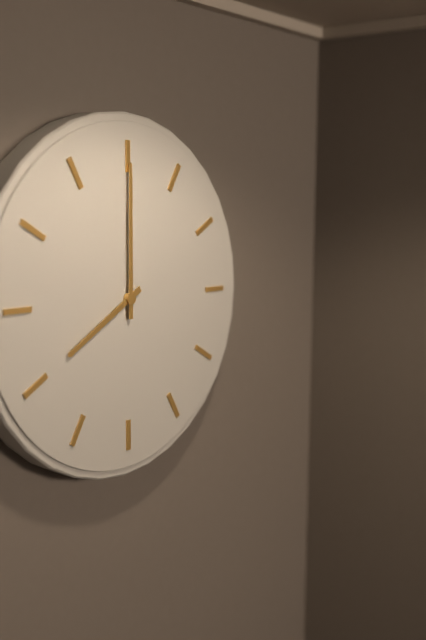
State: 8:00
